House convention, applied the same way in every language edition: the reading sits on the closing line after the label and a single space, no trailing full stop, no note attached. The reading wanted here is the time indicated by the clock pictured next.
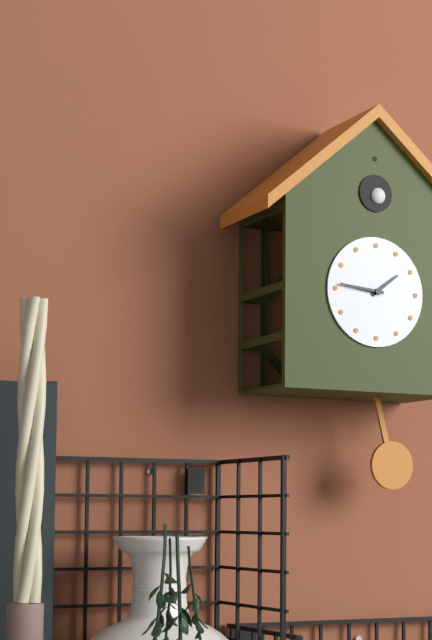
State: 1:46
